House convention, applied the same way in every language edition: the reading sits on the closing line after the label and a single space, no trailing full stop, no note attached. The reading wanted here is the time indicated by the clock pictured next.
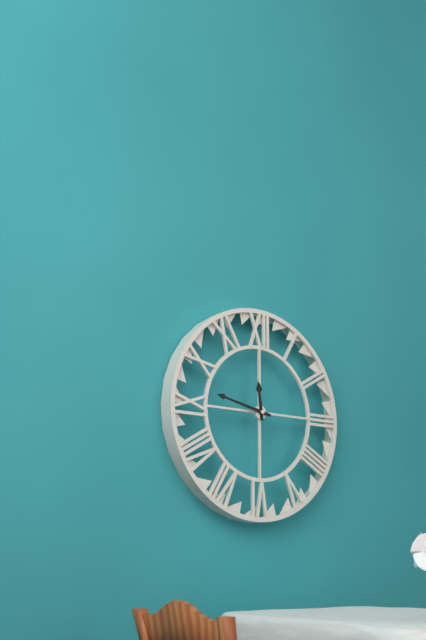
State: 11:47
